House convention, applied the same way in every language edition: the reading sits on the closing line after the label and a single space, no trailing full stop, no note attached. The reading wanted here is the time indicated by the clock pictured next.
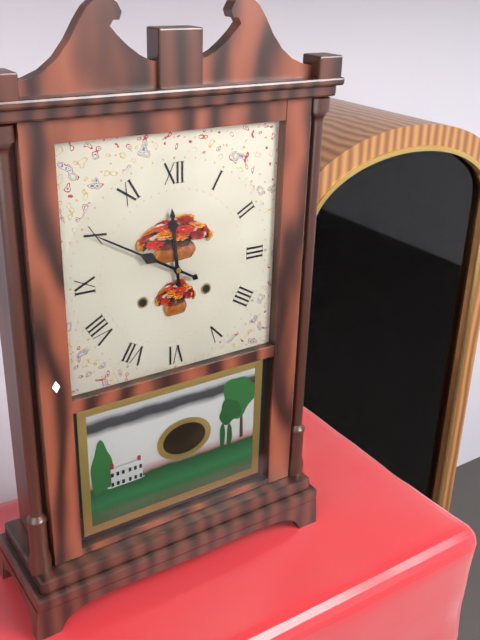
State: 11:50
